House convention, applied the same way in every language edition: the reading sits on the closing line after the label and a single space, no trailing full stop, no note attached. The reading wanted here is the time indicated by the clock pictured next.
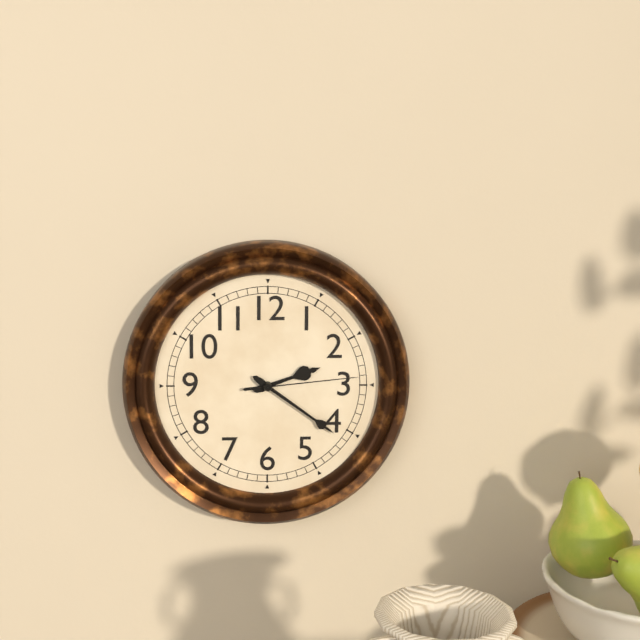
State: 2:21:14
